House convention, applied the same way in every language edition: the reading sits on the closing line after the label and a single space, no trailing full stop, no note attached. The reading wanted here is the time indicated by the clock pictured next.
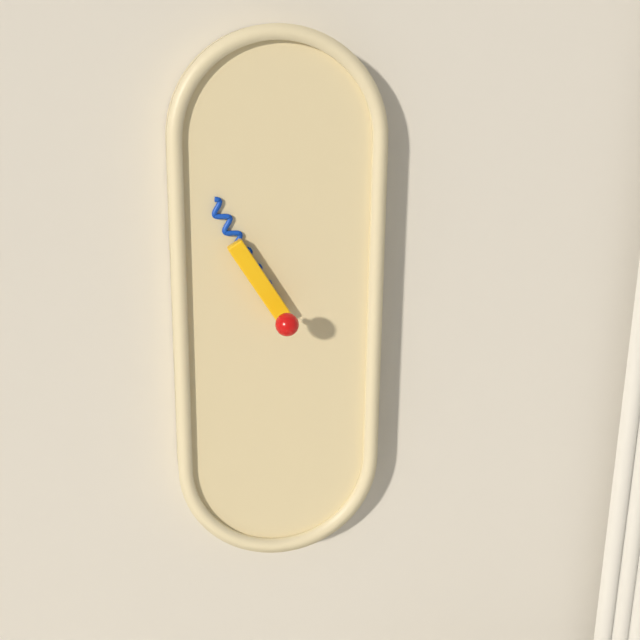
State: 10:55
